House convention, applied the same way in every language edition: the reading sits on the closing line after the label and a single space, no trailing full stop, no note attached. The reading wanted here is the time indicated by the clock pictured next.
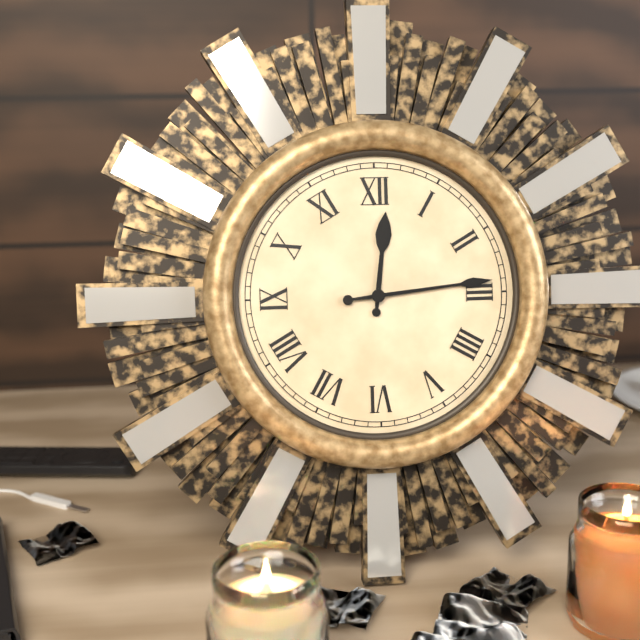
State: 12:14
